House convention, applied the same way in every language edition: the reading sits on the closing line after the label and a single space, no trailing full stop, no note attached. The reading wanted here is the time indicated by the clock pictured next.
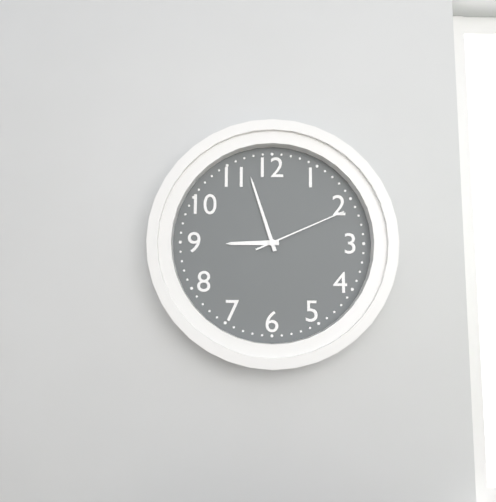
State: 8:57:11
